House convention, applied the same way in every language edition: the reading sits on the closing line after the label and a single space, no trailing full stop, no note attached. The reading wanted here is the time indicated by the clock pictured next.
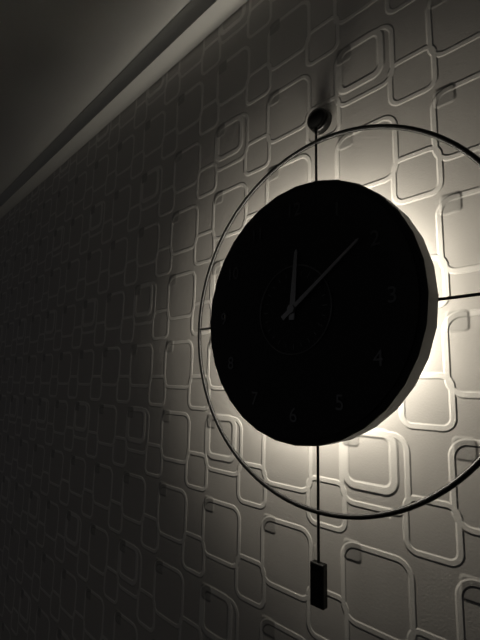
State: 12:09
